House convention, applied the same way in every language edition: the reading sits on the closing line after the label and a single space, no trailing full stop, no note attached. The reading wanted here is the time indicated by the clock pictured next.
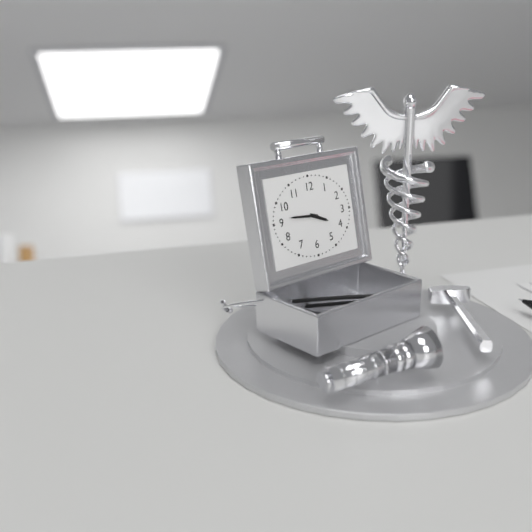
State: 3:46
